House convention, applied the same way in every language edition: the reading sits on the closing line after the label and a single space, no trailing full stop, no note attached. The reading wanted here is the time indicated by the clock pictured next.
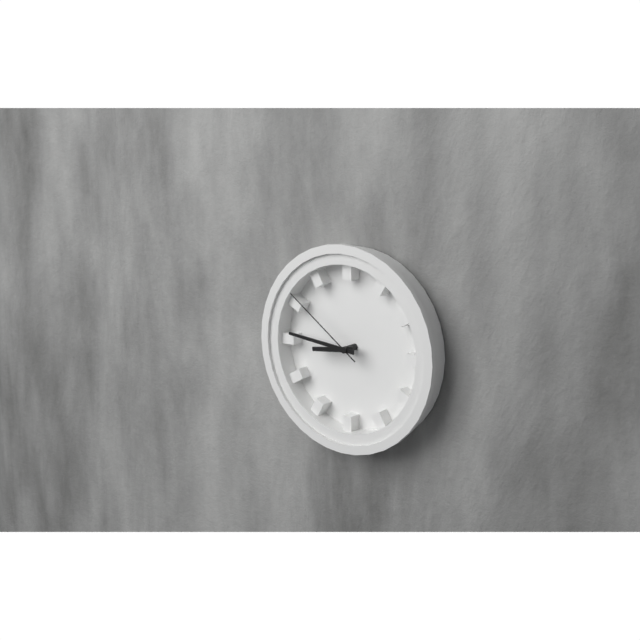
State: 8:46:51
